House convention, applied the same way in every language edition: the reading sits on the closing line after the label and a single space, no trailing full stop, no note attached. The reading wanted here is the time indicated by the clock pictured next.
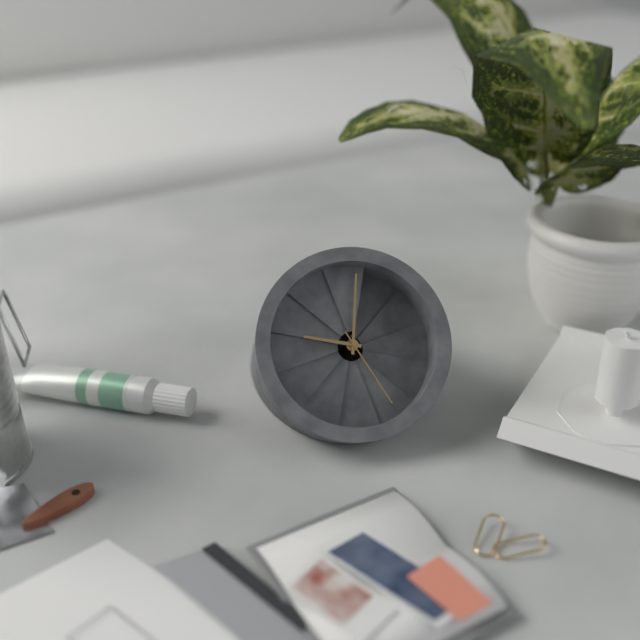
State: 8:59:23
